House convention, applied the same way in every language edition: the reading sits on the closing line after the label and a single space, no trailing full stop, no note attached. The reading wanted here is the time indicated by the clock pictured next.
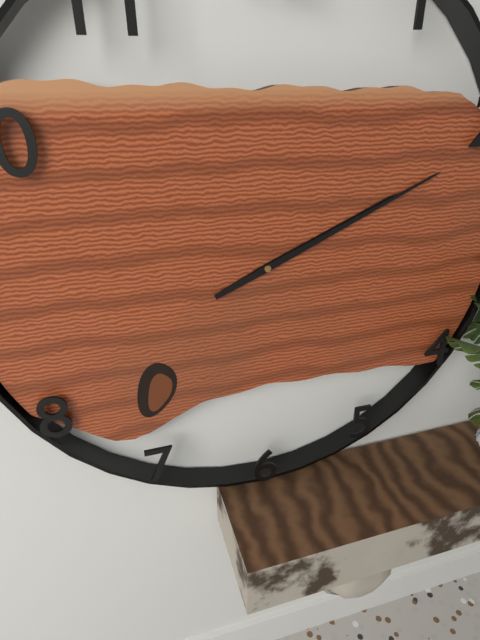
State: 2:11
